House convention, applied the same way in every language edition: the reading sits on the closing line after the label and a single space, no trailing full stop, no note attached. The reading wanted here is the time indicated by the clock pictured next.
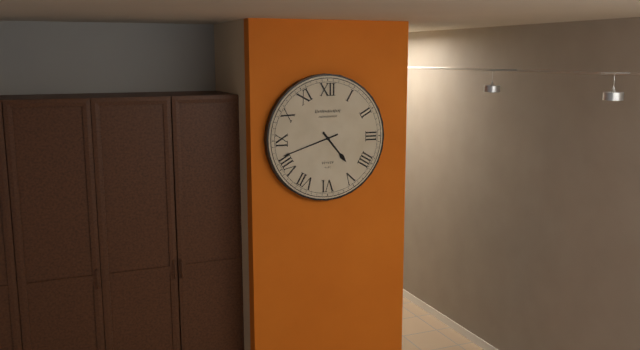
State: 4:42
